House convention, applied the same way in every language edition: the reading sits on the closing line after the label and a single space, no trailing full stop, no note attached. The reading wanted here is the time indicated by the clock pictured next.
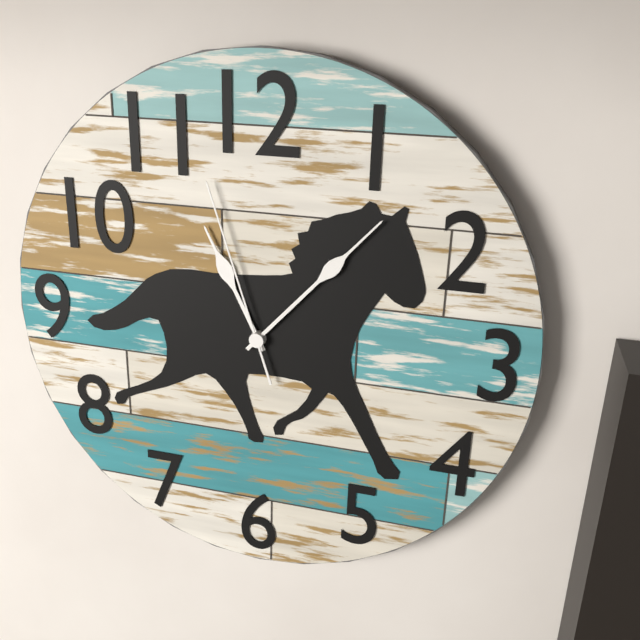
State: 11:07:57
